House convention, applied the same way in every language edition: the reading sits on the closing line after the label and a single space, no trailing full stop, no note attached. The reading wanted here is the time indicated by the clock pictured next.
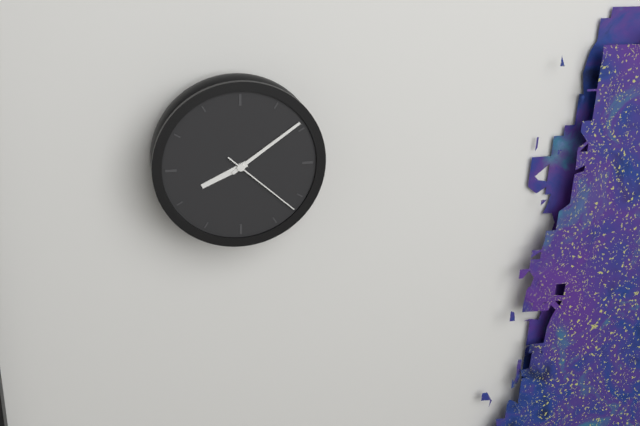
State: 8:09:22
